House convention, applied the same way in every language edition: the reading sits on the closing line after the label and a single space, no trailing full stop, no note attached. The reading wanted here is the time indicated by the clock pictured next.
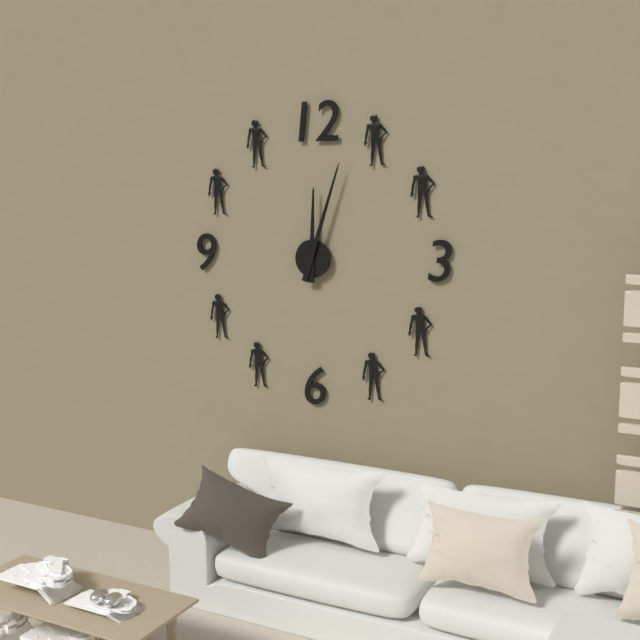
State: 12:03
